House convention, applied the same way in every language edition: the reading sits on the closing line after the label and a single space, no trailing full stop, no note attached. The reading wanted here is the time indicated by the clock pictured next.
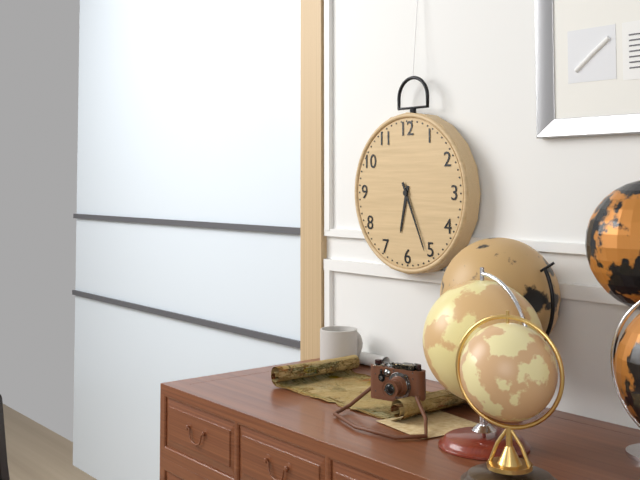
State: 6:26
